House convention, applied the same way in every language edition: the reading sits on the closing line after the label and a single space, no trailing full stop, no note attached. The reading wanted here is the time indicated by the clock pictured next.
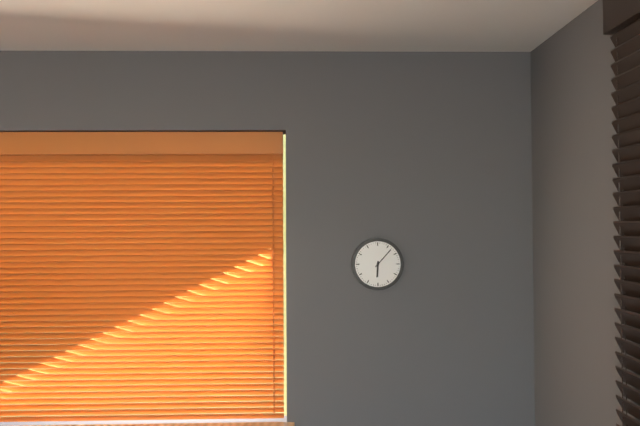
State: 6:07
